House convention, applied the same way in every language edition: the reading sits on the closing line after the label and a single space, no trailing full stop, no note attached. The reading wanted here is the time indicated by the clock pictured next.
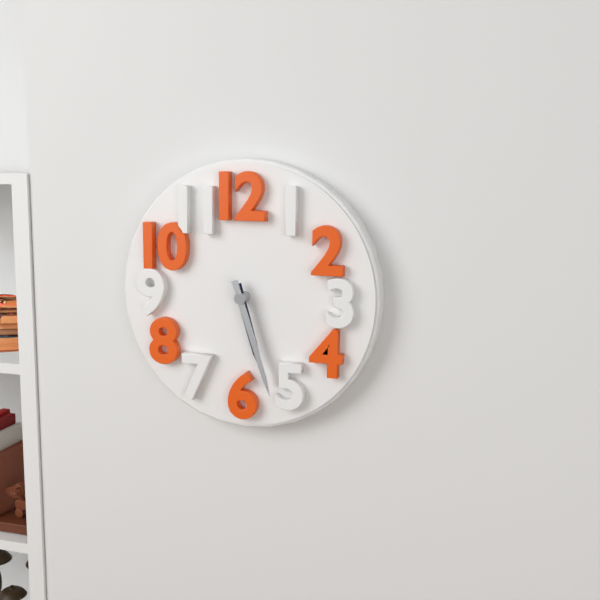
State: 5:27
